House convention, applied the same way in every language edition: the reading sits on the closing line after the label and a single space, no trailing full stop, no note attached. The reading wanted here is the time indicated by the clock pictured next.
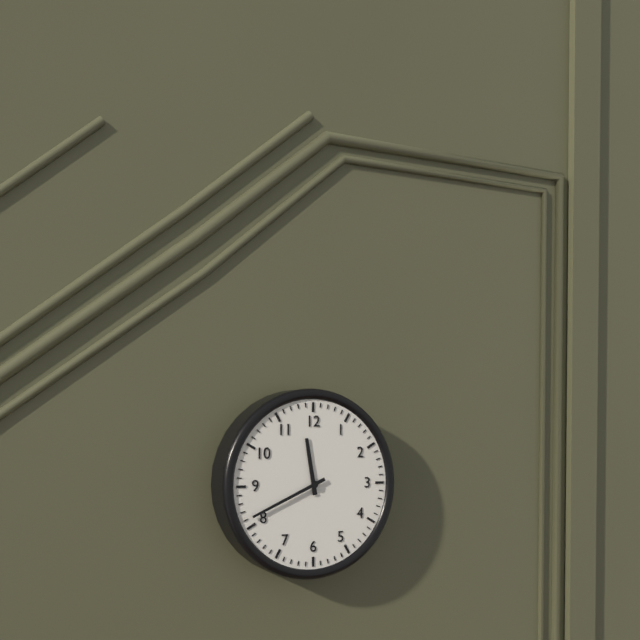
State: 11:41
